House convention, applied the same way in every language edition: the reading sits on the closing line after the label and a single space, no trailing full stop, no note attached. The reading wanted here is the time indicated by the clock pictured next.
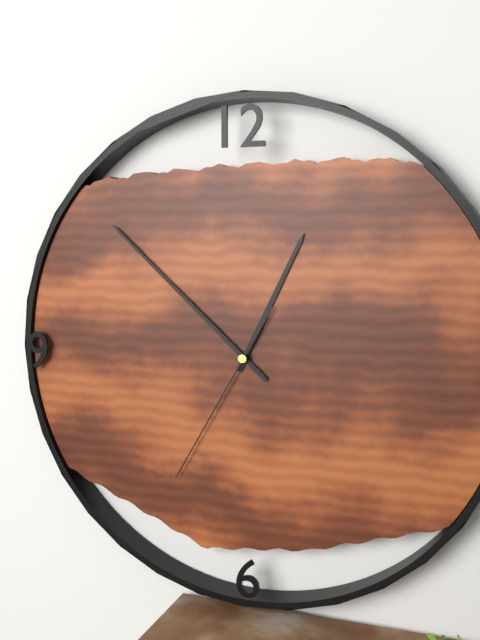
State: 12:52:35
